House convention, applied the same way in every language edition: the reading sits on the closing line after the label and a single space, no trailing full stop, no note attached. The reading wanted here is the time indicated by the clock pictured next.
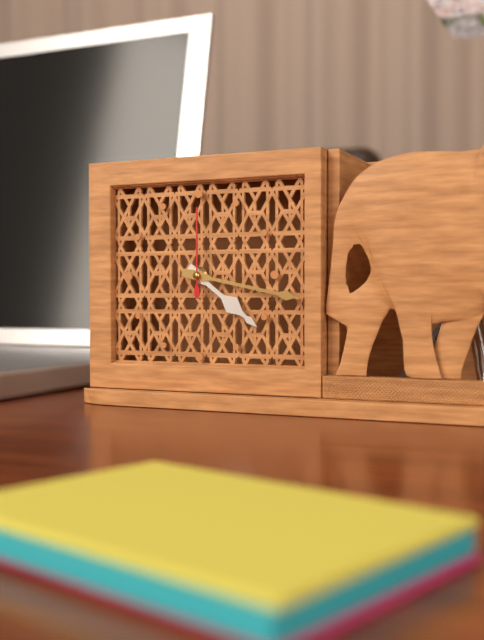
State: 4:17:00
